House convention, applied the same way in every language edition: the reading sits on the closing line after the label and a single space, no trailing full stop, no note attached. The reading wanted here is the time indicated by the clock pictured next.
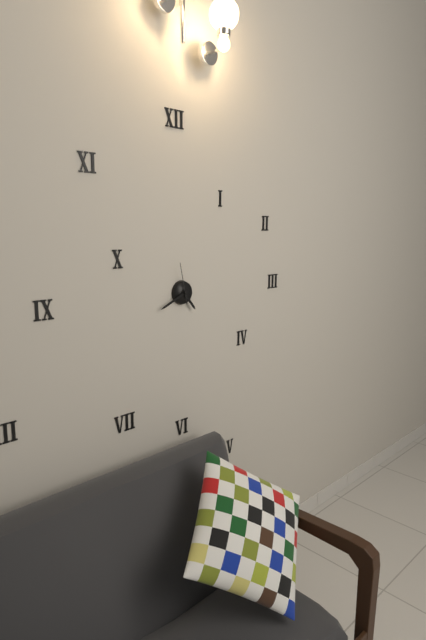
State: 4:41
